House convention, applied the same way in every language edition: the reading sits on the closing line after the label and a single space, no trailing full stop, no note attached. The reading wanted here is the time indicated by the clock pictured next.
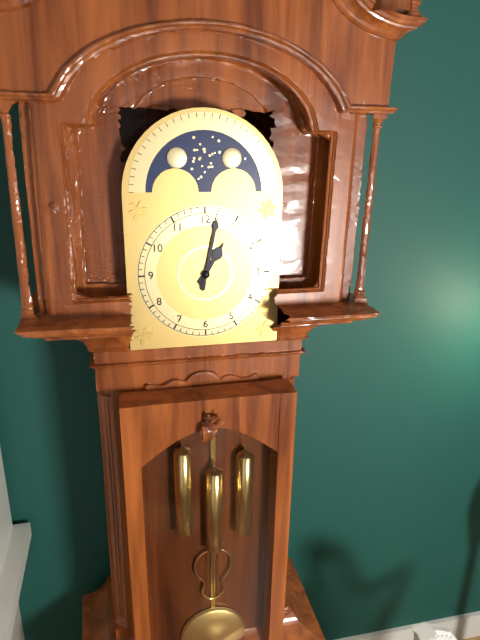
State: 1:02
